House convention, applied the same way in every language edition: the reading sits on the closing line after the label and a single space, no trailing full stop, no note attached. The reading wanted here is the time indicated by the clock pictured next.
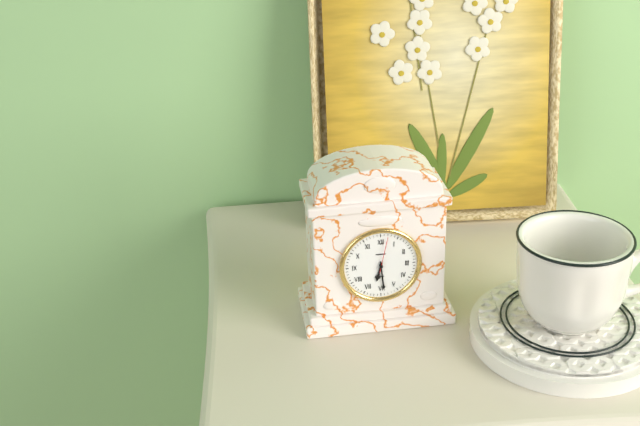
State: 6:29
